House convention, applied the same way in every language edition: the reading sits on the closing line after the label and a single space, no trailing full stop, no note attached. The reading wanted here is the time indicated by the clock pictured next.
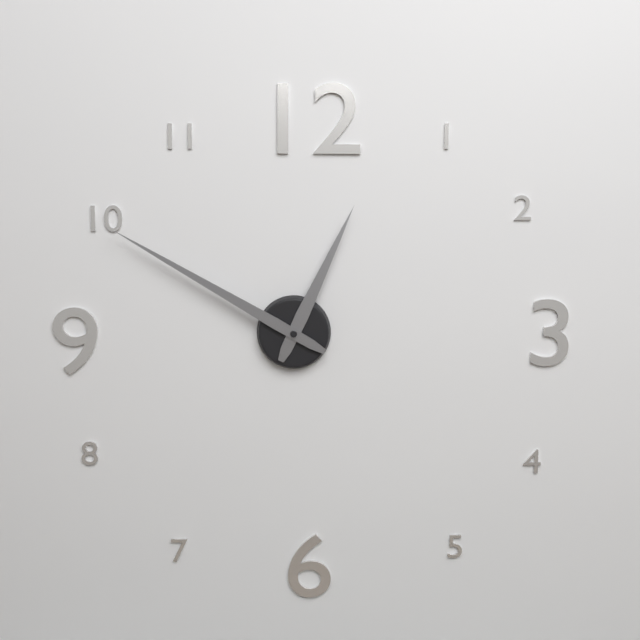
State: 12:50
